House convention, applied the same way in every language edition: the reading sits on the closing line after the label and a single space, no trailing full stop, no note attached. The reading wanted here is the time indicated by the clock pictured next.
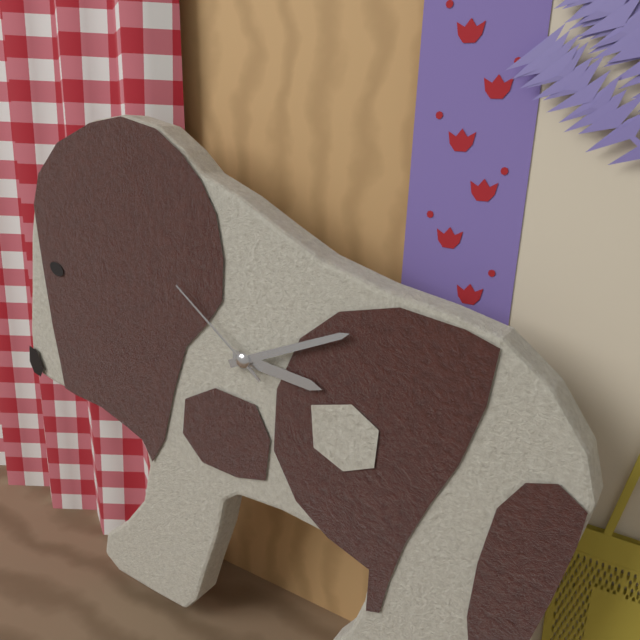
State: 3:11:51
